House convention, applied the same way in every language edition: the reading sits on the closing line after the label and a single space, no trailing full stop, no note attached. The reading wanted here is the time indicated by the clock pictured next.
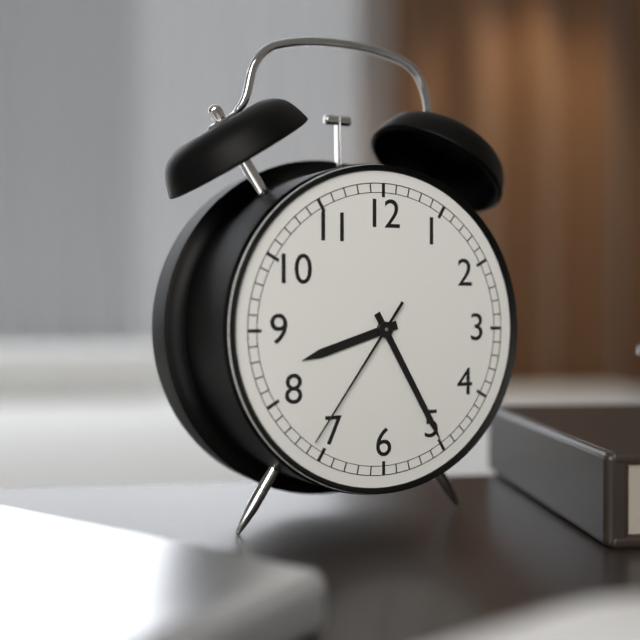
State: 8:25:36
